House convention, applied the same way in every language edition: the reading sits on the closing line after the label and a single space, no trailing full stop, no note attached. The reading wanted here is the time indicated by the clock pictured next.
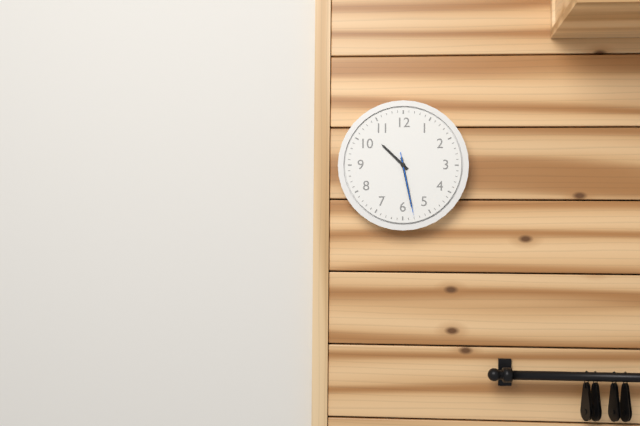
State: 10:28:28
